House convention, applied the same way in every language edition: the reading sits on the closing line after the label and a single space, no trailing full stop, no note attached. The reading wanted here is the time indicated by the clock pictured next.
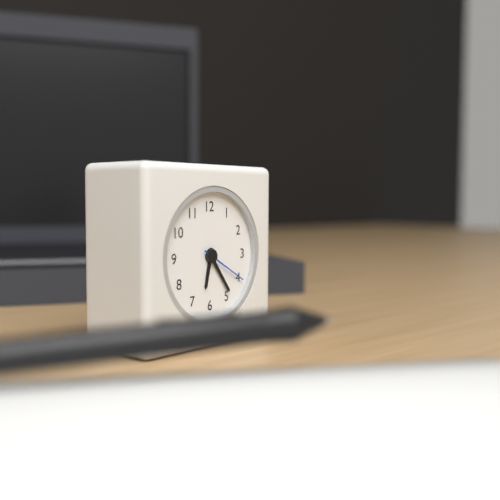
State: 6:24
